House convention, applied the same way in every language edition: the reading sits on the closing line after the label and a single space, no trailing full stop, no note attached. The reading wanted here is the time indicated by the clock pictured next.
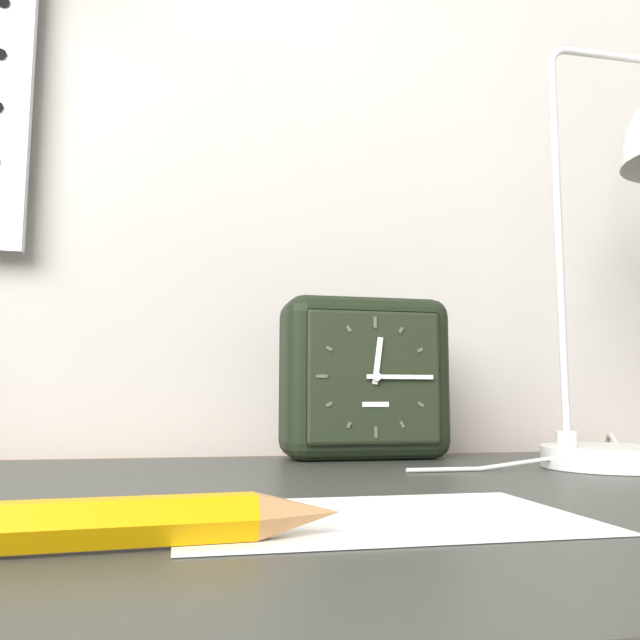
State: 12:15
